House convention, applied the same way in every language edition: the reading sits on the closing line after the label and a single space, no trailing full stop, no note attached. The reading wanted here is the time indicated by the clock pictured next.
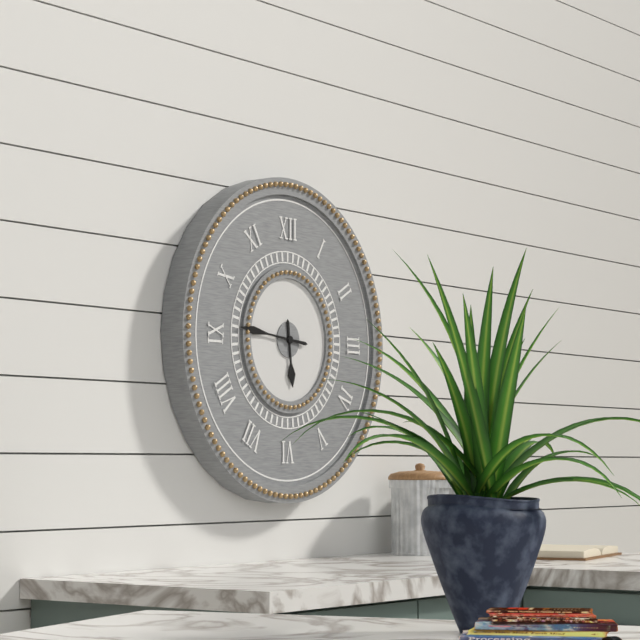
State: 5:46
